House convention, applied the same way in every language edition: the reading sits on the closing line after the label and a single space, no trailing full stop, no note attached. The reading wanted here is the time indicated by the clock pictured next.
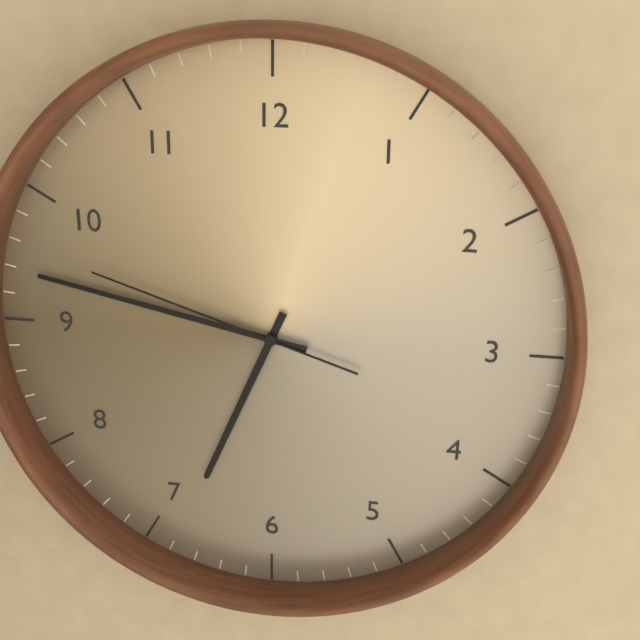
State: 6:47:48
